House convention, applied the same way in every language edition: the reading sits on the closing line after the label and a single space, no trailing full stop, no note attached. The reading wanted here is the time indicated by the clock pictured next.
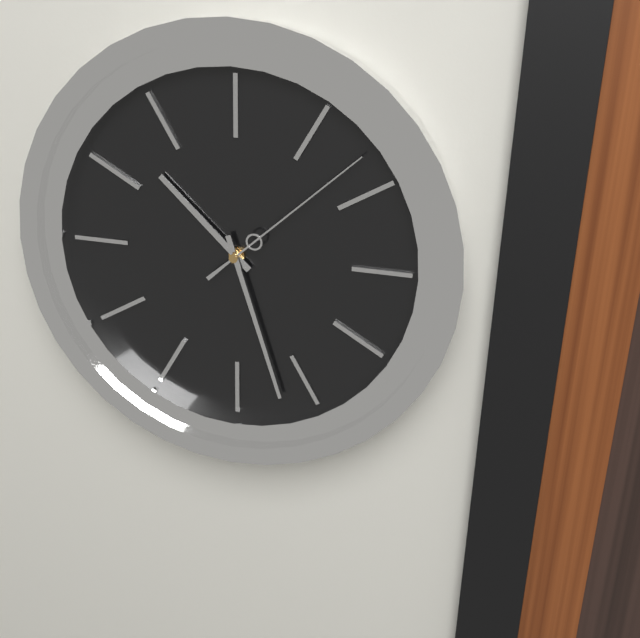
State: 10:27:08
